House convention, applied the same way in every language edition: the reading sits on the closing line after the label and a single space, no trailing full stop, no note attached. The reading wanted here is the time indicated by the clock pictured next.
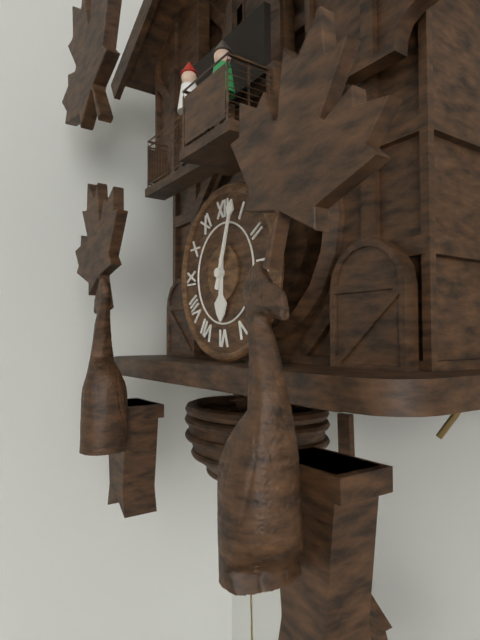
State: 6:03
